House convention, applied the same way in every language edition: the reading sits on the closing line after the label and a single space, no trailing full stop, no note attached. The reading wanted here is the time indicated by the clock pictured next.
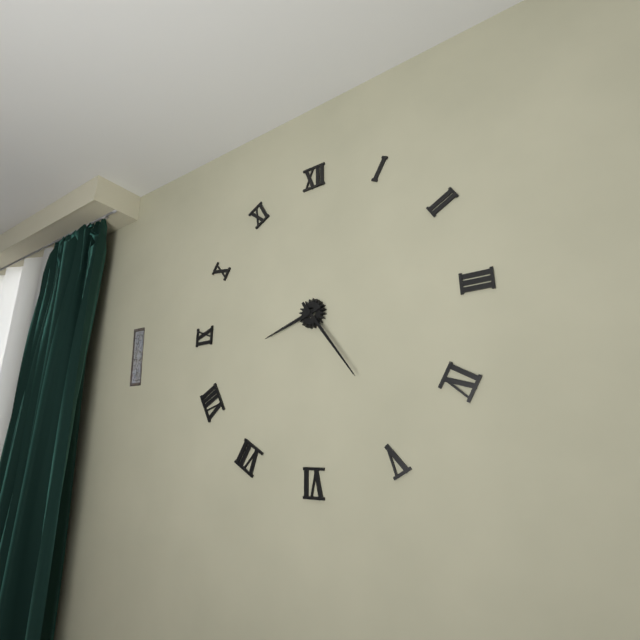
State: 8:24
